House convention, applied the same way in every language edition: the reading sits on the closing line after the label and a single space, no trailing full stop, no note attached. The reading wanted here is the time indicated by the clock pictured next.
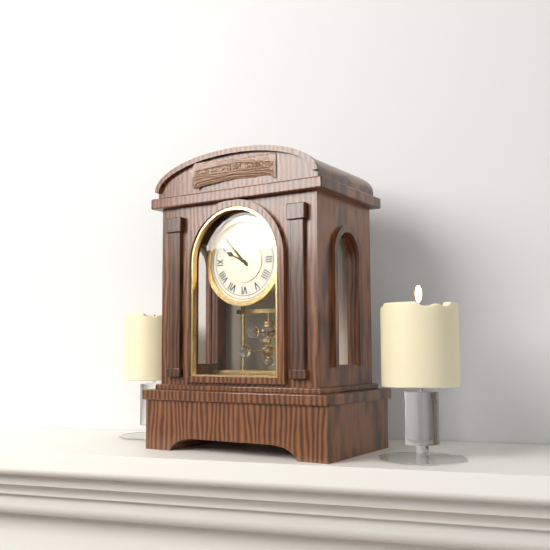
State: 9:53
